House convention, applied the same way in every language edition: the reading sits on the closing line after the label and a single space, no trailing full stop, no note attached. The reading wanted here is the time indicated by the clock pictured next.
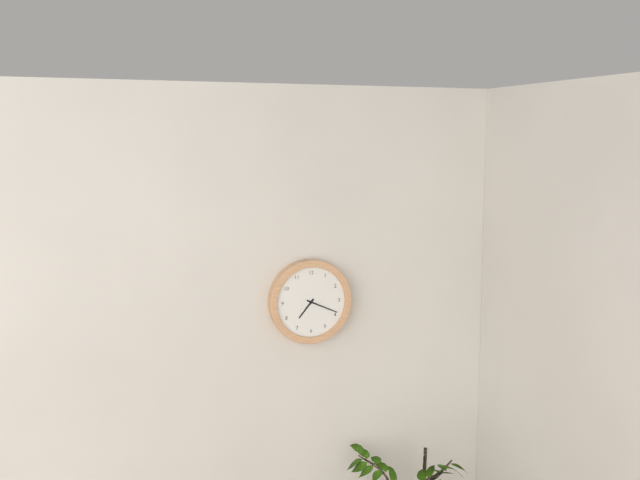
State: 7:19
